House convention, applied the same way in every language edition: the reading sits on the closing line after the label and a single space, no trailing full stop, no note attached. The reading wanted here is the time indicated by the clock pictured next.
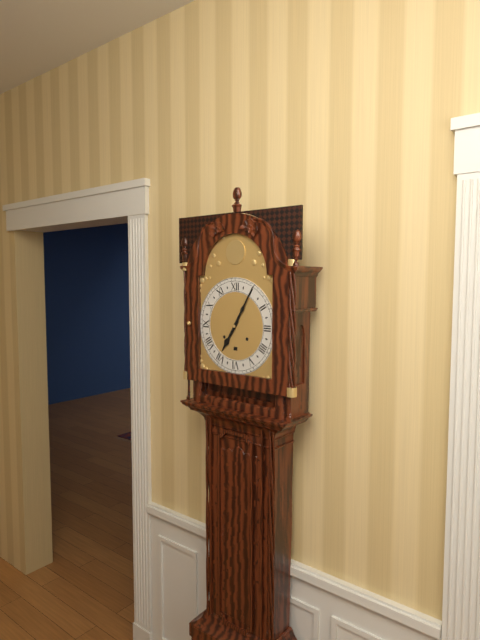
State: 7:05
